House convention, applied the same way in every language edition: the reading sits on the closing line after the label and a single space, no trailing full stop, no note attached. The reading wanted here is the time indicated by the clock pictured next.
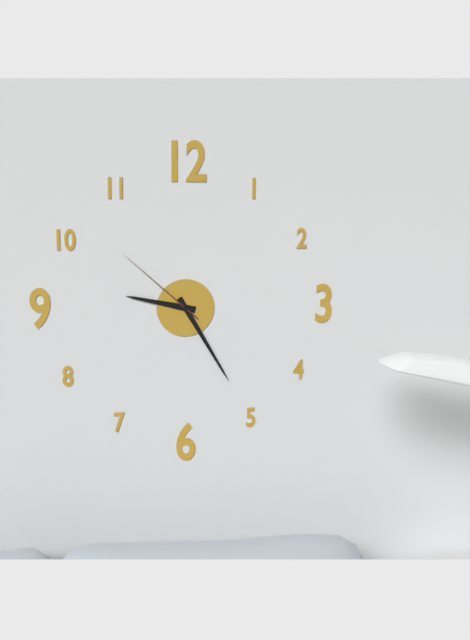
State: 9:25:52
